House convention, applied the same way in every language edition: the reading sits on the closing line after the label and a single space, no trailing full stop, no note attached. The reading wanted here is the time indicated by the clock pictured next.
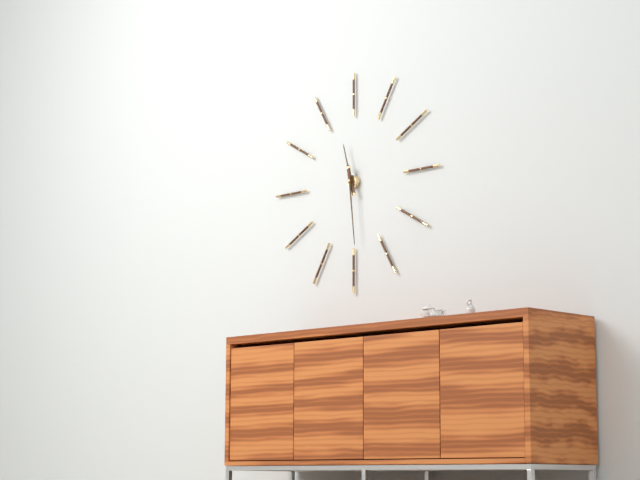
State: 11:29
